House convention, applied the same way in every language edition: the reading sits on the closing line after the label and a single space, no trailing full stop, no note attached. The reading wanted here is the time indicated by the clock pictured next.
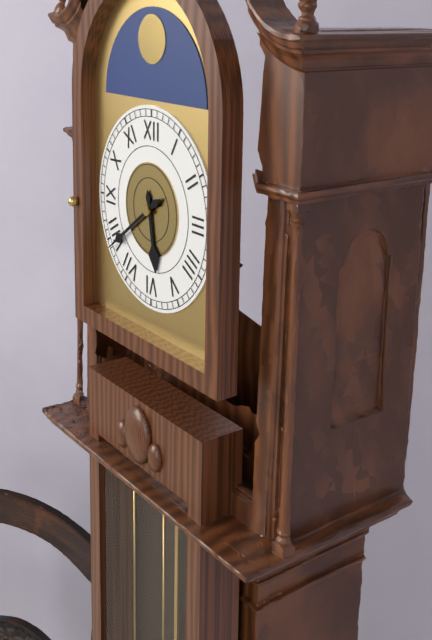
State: 5:39
